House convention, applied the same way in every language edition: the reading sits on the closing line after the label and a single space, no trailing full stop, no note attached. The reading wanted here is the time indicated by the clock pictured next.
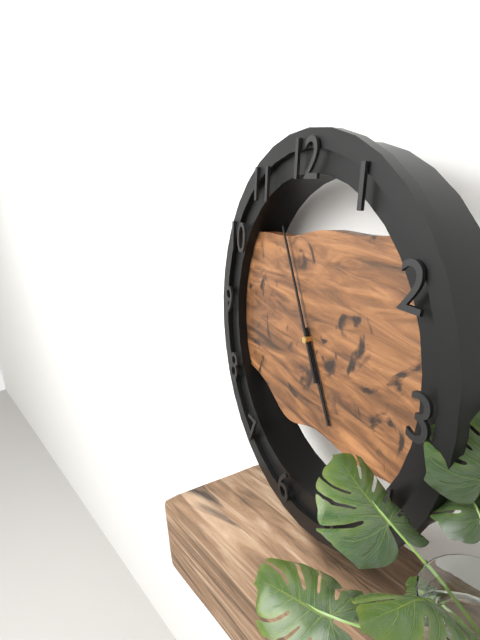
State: 4:55
